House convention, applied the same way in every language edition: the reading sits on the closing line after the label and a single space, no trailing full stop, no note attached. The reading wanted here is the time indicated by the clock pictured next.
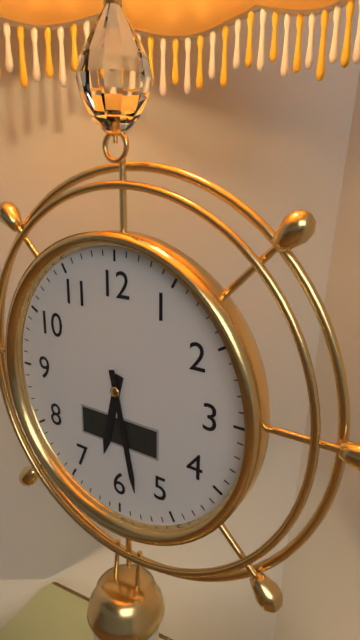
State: 6:28
